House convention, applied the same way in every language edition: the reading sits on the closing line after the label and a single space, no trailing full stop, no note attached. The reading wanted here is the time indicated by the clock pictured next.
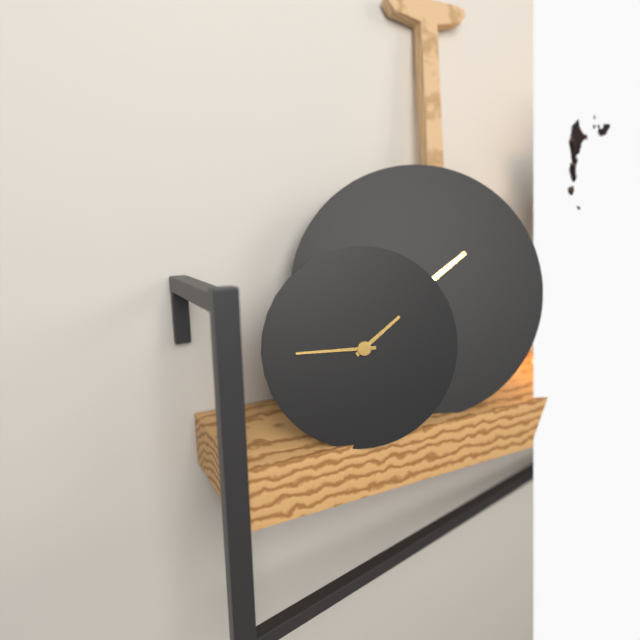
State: 1:45
